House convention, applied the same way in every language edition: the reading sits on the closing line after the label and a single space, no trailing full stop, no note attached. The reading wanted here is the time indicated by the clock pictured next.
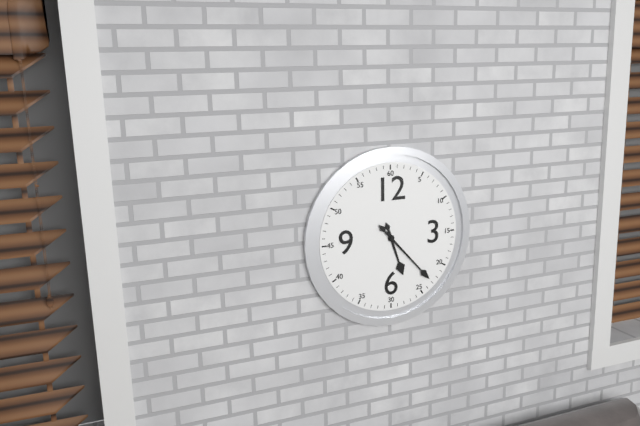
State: 5:23
